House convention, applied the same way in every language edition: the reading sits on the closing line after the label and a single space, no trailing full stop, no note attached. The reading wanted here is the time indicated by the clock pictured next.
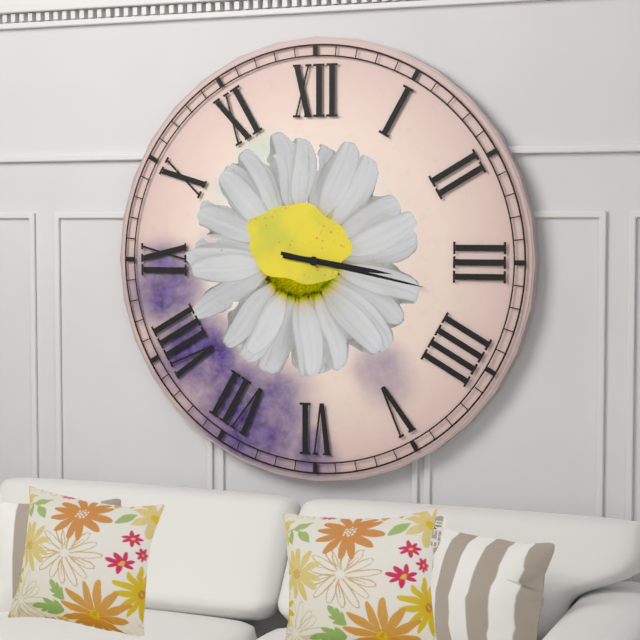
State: 3:17
